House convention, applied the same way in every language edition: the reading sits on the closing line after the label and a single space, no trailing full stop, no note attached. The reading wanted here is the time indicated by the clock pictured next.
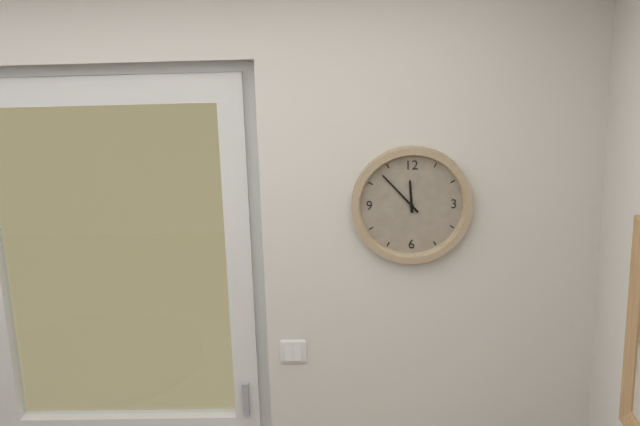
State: 11:53
